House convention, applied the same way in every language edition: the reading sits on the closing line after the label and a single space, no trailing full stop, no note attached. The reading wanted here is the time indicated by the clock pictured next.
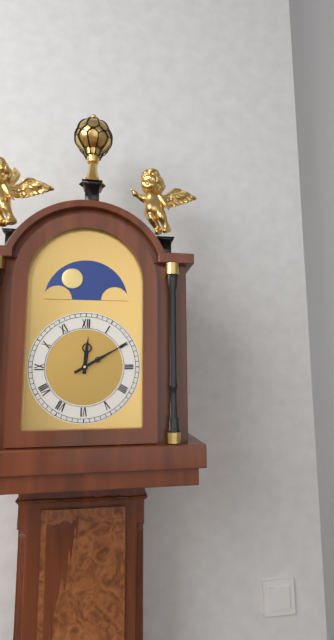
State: 12:10
